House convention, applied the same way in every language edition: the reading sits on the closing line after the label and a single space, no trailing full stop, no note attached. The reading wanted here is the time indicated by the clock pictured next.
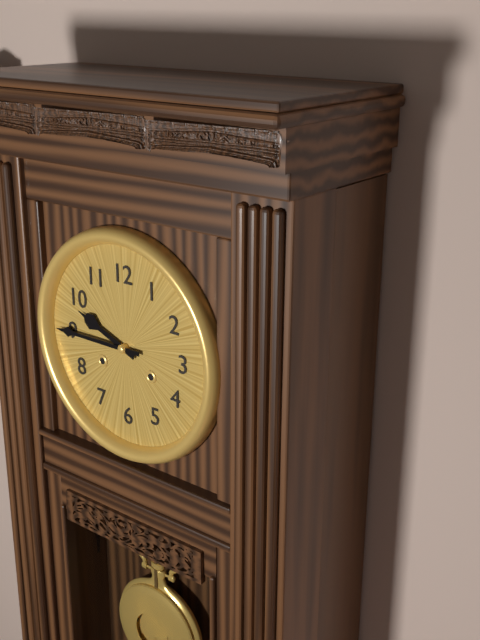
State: 9:45
